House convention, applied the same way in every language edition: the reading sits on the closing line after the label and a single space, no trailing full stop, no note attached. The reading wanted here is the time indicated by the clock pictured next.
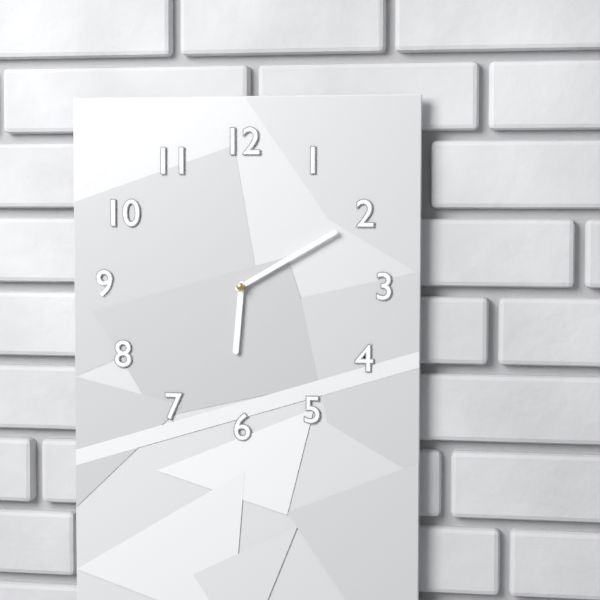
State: 6:10
